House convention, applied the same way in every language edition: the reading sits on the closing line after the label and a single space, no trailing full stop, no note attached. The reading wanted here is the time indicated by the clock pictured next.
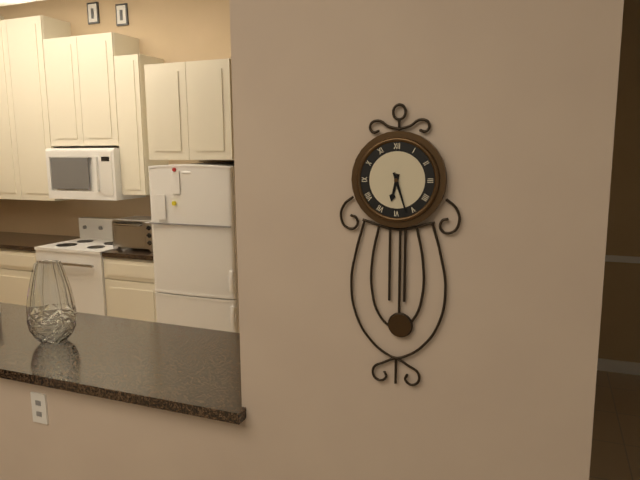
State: 6:27
